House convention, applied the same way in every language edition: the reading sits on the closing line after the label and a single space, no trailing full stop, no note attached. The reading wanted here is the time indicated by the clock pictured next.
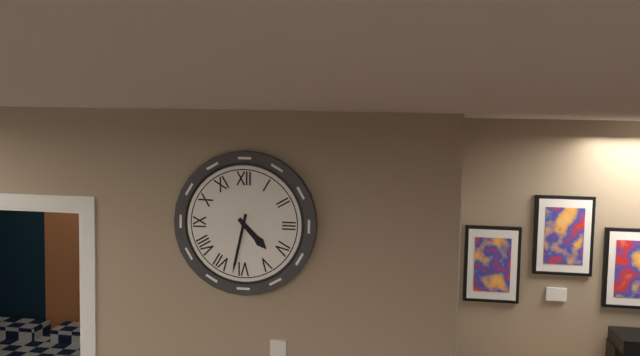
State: 4:32
